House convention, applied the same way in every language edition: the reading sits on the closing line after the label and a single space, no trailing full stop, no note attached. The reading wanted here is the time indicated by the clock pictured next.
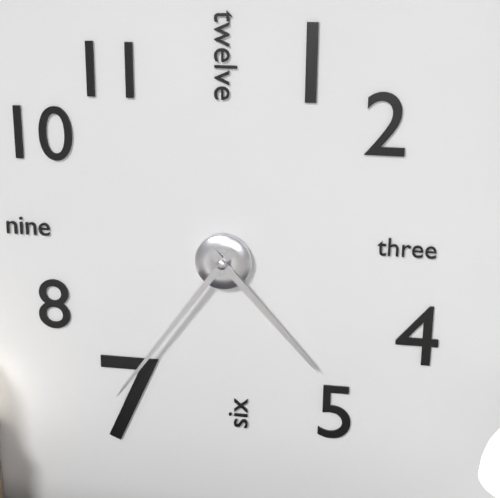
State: 4:36
